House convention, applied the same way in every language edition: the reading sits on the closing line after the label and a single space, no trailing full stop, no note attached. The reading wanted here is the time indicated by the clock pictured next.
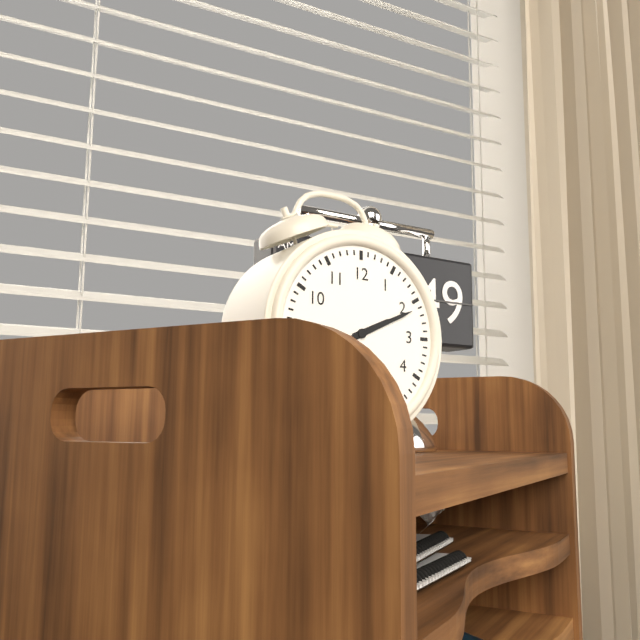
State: 2:11
